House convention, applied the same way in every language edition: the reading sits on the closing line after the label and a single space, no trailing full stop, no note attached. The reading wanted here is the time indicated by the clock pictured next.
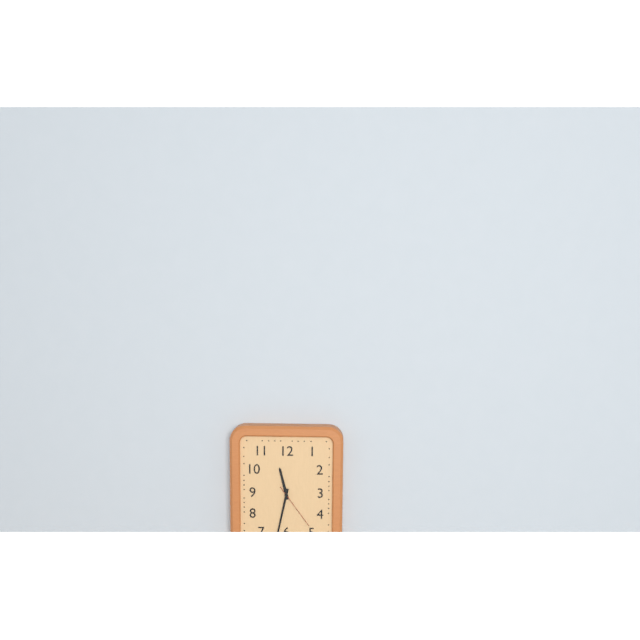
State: 11:32
